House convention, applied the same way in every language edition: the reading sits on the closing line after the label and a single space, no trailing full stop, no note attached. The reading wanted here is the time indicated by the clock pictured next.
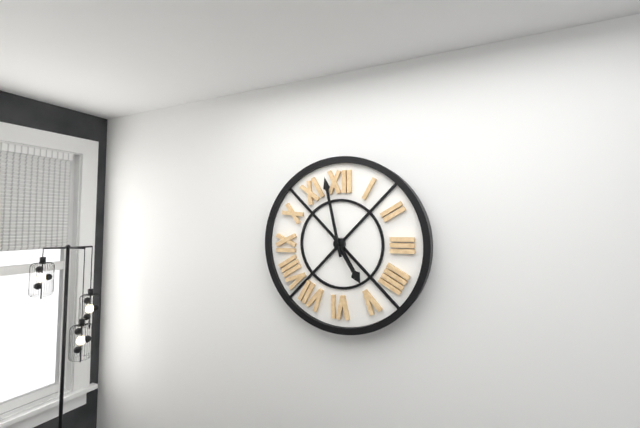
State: 4:58
